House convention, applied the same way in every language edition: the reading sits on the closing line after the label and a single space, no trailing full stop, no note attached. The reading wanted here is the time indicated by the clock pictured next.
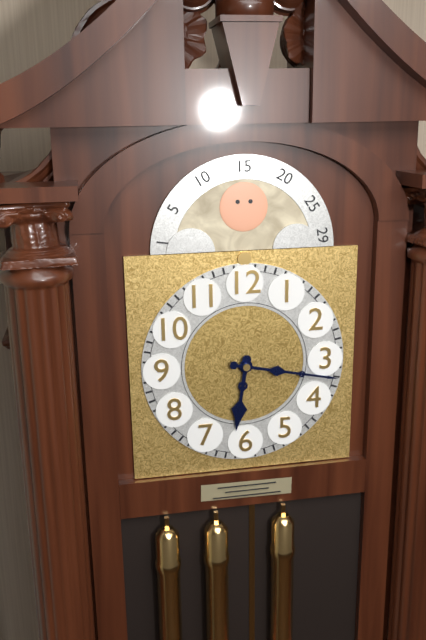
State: 6:17
